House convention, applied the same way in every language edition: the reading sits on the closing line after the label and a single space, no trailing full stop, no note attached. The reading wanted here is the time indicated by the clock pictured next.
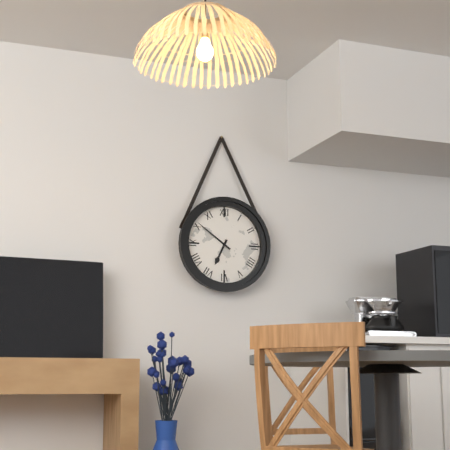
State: 6:51
